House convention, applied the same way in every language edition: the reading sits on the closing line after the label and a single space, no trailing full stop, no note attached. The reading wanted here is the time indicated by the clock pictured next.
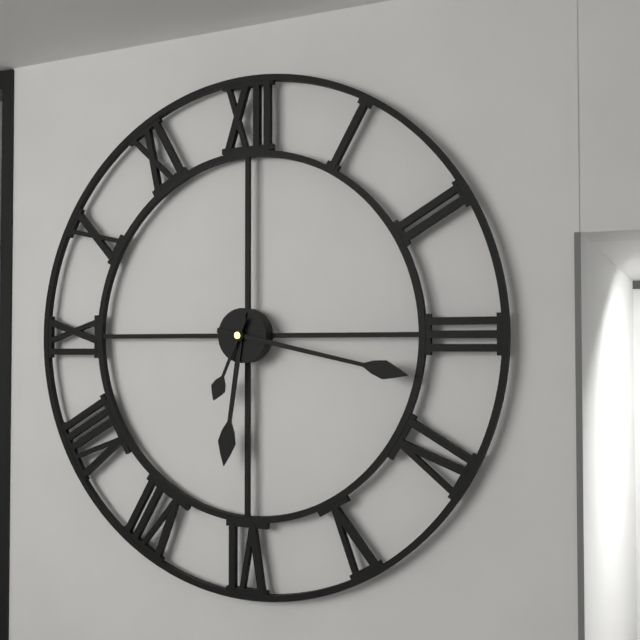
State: 6:17:34
